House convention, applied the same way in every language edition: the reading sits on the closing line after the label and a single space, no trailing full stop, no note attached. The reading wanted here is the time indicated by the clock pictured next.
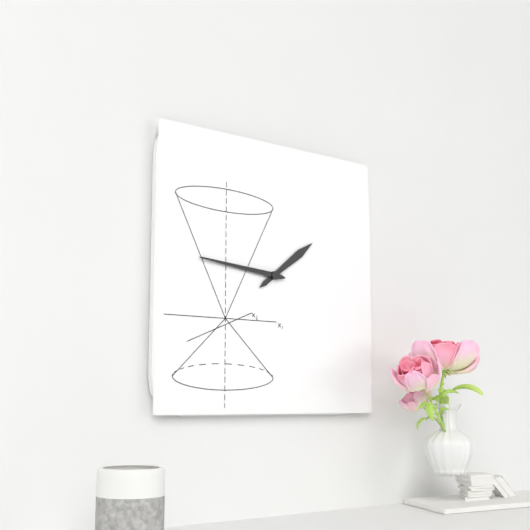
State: 1:46
